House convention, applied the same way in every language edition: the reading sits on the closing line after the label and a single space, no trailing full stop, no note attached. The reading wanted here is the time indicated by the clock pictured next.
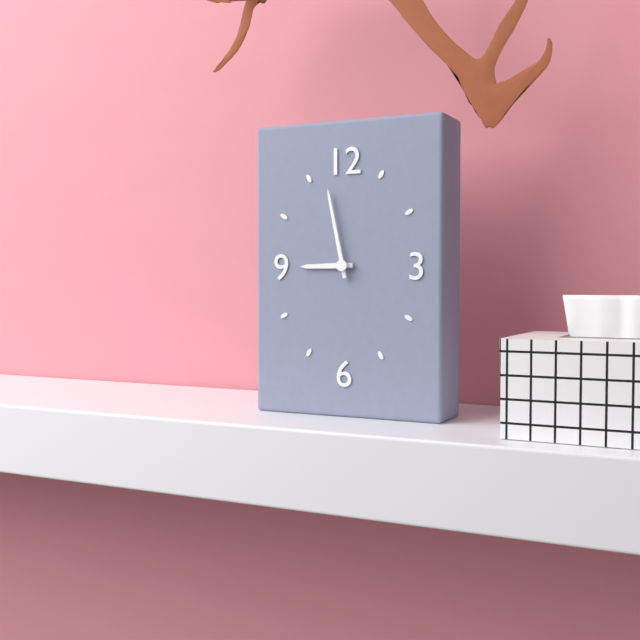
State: 8:58
